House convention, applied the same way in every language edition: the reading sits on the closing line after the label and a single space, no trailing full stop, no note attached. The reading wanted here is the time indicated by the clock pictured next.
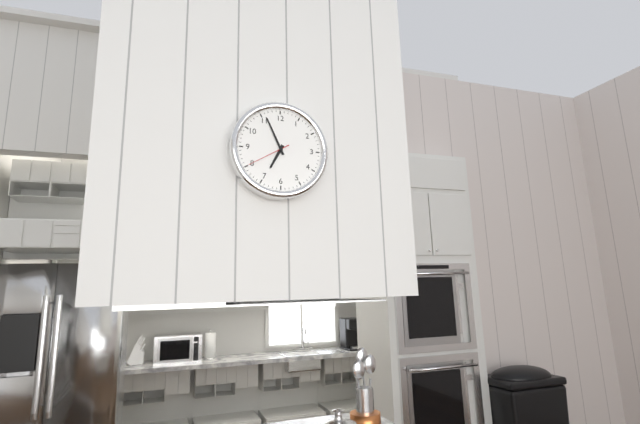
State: 6:56
